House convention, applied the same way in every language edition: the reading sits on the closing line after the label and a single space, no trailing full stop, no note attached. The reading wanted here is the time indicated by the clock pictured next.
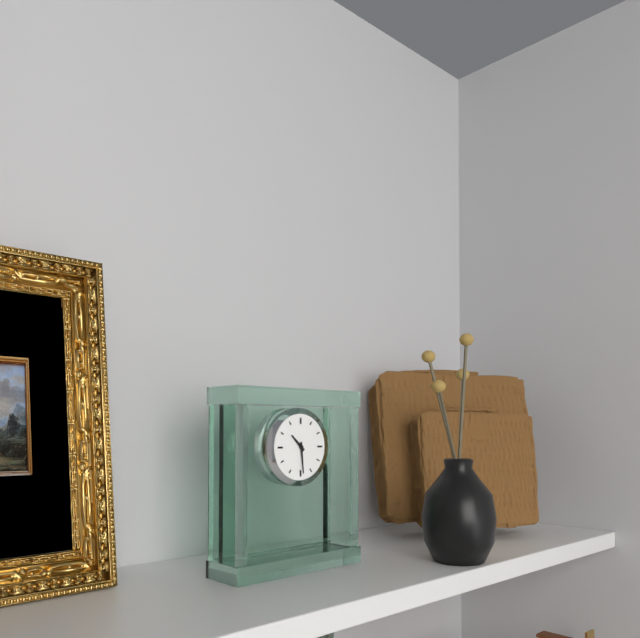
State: 10:29
